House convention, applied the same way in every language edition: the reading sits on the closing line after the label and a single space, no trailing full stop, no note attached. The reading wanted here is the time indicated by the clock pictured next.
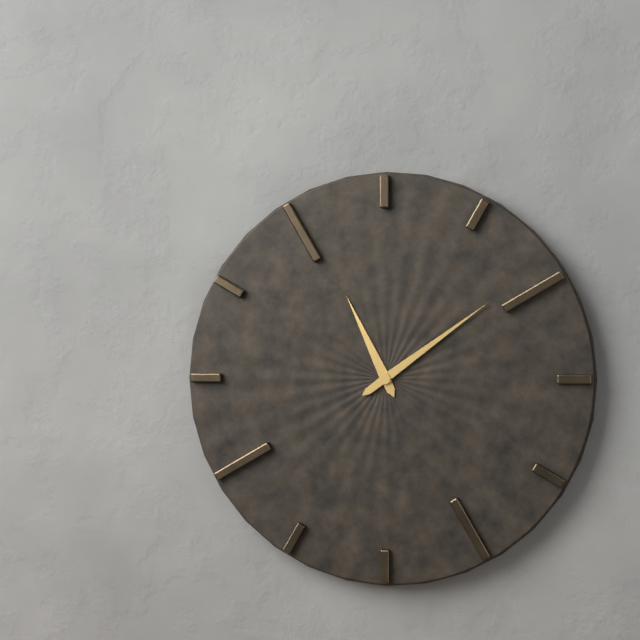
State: 11:09
